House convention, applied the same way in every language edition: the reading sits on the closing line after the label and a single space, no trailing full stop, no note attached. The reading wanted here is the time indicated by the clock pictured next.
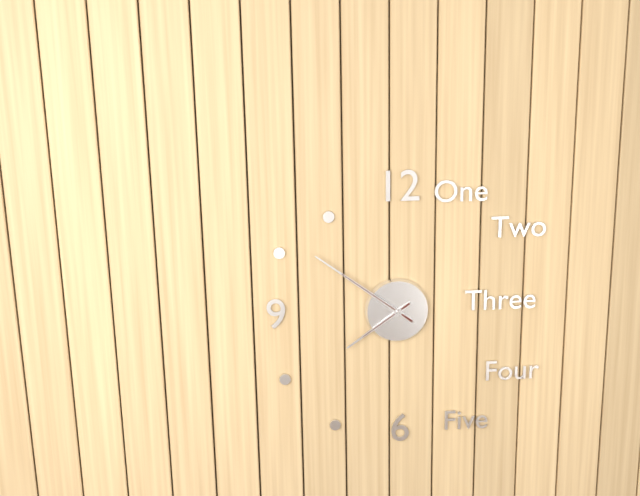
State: 7:51
